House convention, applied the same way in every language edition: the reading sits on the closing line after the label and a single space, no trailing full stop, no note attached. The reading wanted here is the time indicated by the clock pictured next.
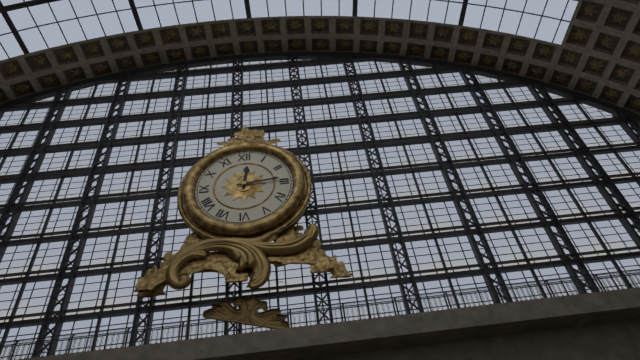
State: 12:14
